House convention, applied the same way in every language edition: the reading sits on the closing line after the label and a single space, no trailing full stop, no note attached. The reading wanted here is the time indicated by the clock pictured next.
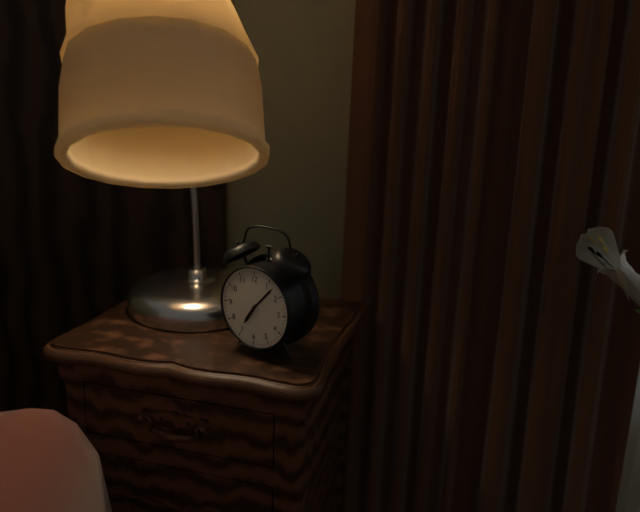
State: 7:07
